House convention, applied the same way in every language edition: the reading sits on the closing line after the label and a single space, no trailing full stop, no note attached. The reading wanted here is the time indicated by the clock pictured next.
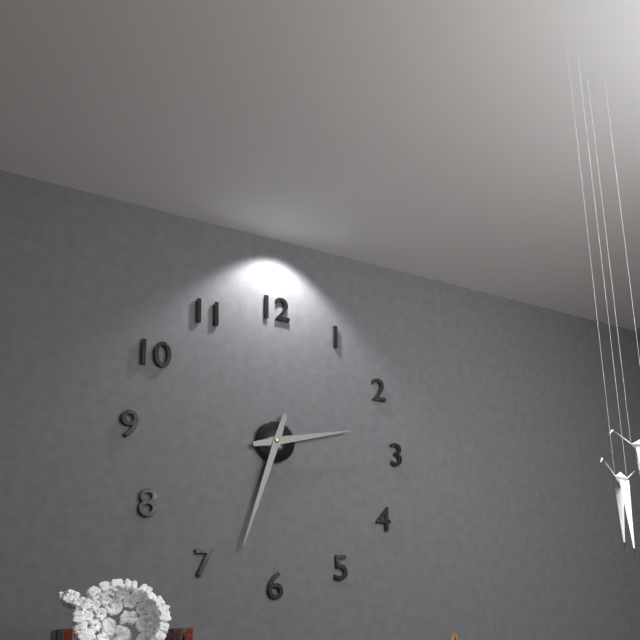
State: 2:33
